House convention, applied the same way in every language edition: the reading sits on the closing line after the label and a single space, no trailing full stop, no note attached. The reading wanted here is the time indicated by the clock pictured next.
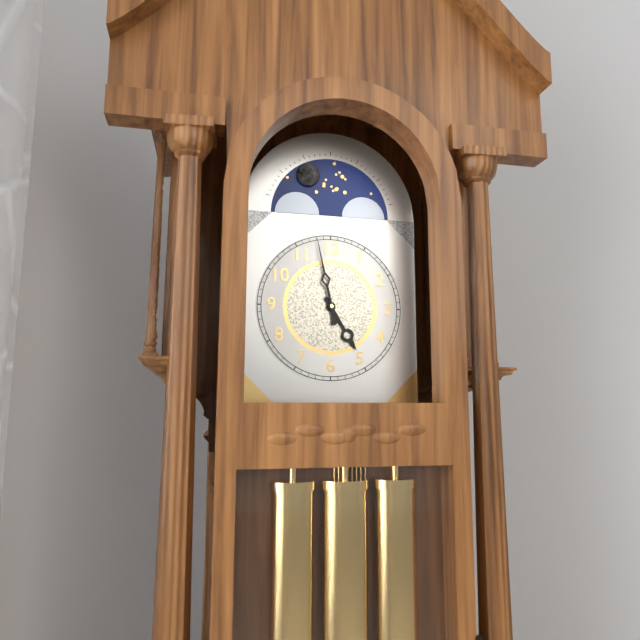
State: 4:58
